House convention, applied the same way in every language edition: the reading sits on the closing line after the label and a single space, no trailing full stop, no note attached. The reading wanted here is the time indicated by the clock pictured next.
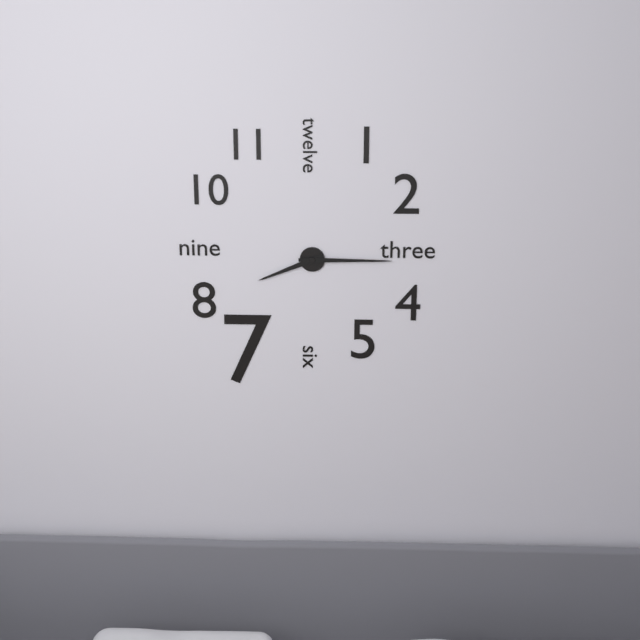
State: 8:15
